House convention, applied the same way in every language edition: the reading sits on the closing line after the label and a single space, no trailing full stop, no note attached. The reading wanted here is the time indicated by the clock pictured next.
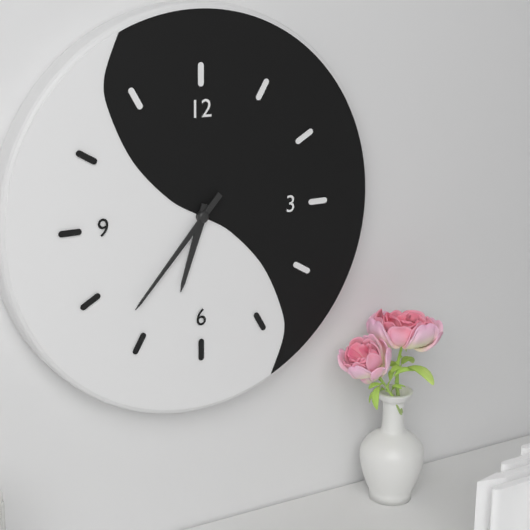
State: 6:37
